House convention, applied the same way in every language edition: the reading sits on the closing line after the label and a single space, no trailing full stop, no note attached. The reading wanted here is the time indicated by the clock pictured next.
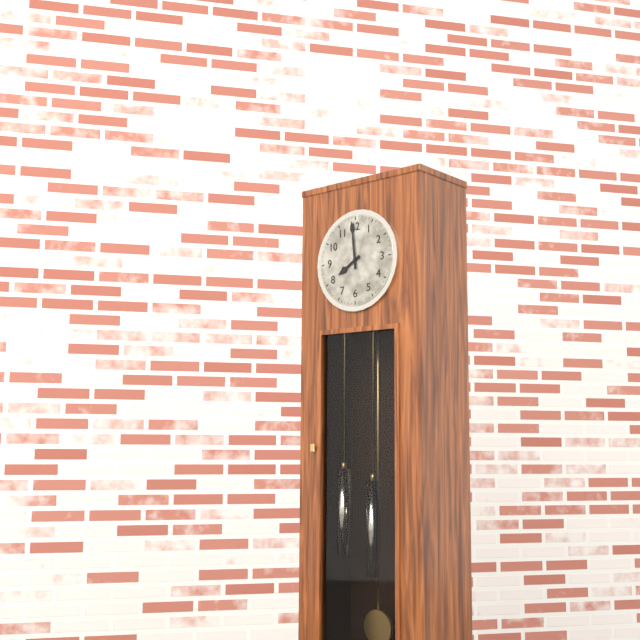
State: 7:59
